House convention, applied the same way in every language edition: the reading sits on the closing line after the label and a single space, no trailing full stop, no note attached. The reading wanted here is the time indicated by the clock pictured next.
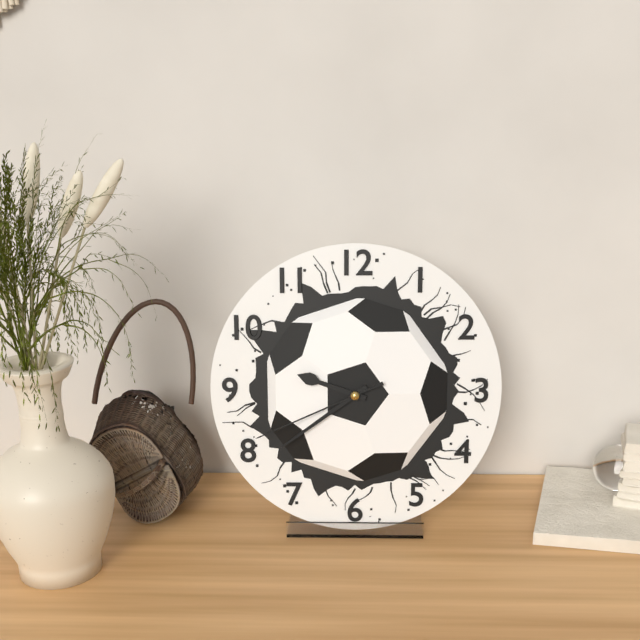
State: 9:39:41
